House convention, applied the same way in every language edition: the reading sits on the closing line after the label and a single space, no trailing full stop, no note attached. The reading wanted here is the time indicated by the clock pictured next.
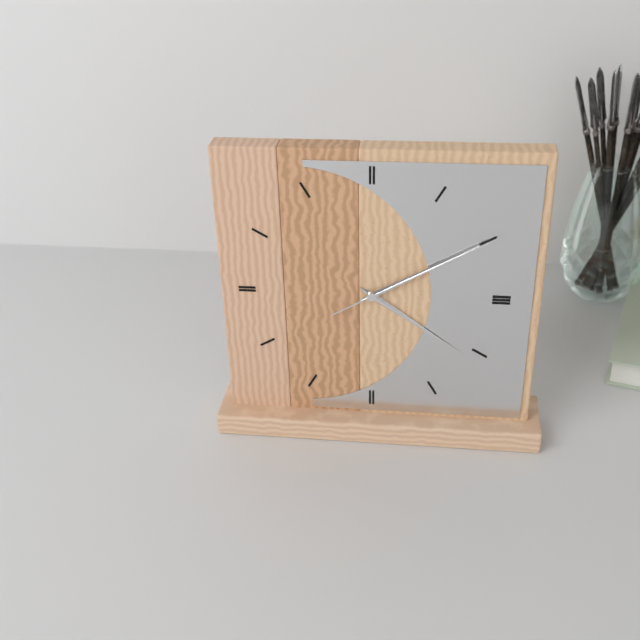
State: 4:10:10
